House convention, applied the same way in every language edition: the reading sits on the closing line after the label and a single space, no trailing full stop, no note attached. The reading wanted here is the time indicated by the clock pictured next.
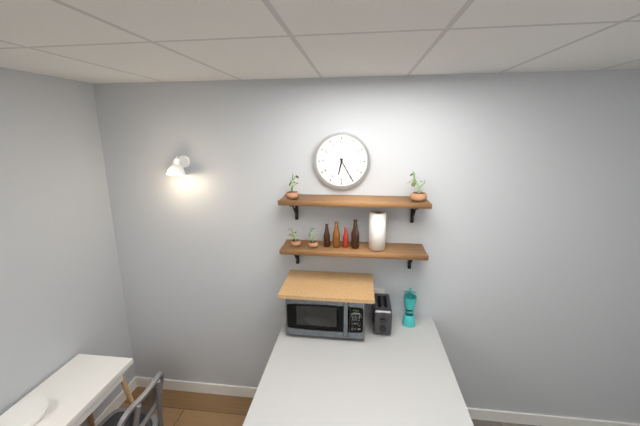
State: 6:25
